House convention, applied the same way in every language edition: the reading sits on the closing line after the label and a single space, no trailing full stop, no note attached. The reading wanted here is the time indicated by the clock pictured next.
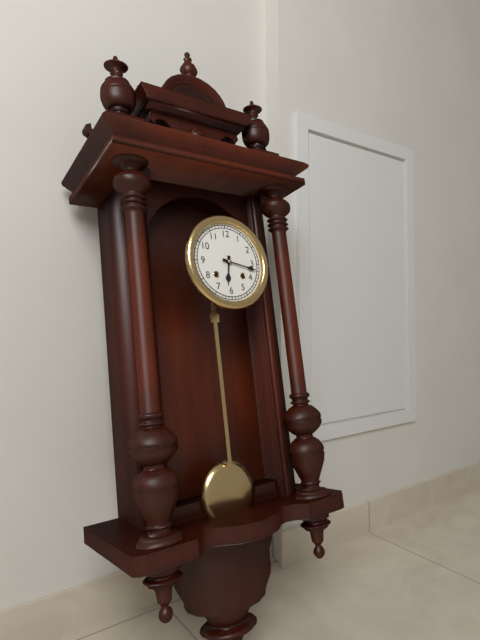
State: 6:17
